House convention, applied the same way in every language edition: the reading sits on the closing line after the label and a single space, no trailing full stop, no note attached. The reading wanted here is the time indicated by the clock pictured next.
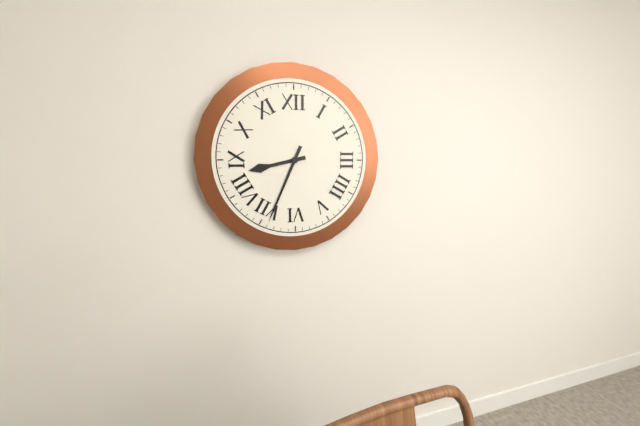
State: 8:34
